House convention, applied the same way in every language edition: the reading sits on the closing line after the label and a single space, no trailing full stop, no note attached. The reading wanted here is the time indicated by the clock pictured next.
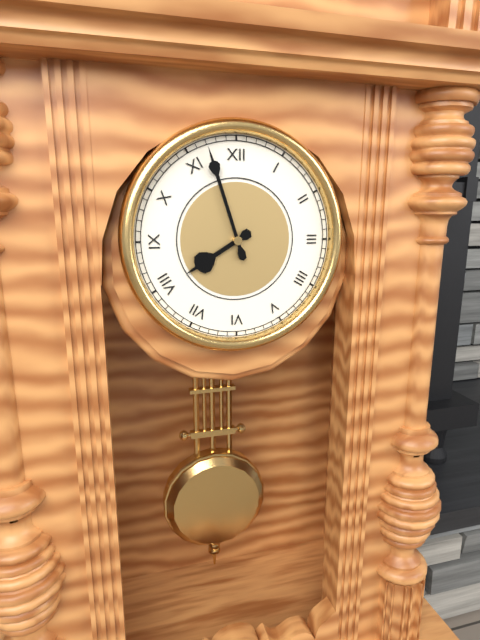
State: 7:57
